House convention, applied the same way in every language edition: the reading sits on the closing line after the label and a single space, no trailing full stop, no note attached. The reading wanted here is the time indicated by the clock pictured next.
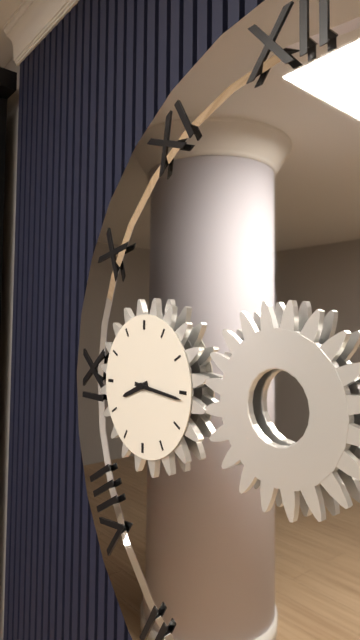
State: 8:16
